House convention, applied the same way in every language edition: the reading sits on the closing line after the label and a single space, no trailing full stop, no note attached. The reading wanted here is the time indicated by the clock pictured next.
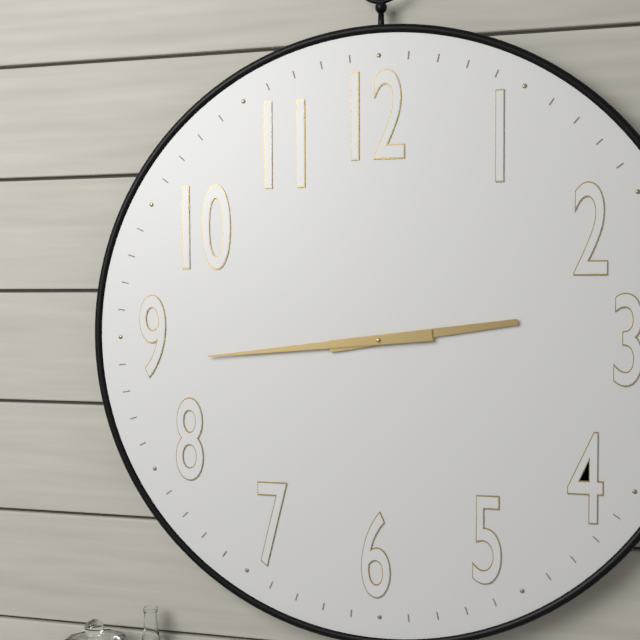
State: 2:44
